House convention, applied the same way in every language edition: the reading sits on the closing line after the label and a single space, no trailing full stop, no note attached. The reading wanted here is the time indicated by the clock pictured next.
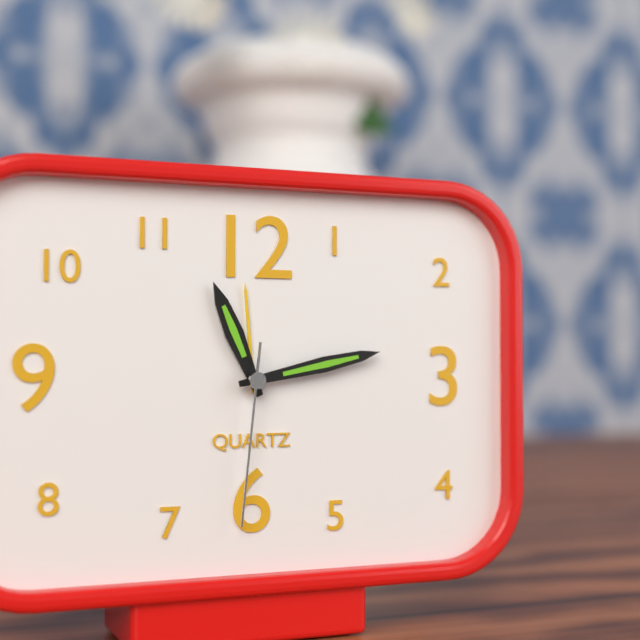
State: 11:13:31
